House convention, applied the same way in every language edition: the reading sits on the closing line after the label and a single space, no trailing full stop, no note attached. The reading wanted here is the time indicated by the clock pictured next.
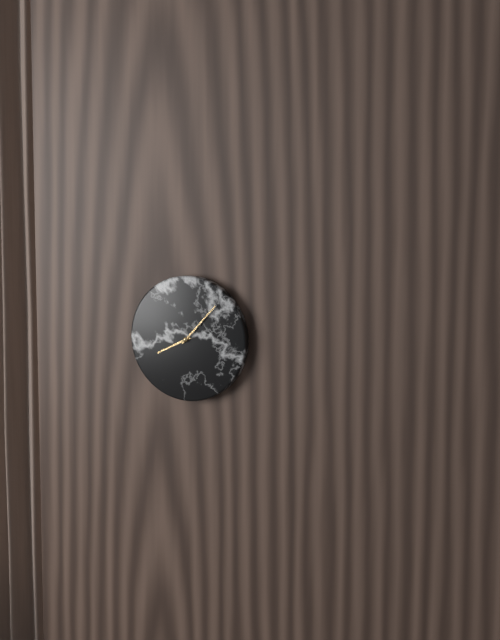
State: 8:07
